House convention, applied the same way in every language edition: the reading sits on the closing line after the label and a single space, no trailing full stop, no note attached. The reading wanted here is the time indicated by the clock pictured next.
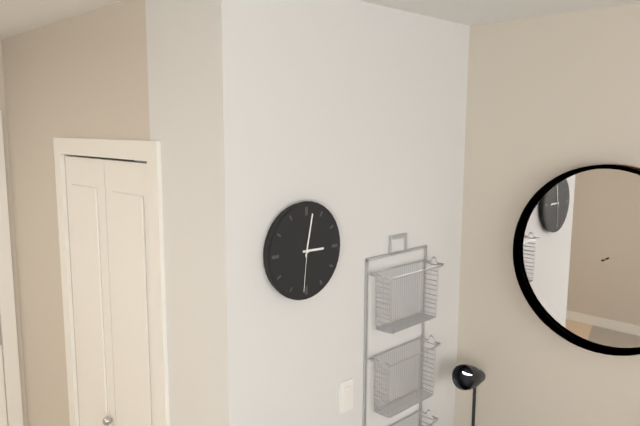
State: 3:02:31
